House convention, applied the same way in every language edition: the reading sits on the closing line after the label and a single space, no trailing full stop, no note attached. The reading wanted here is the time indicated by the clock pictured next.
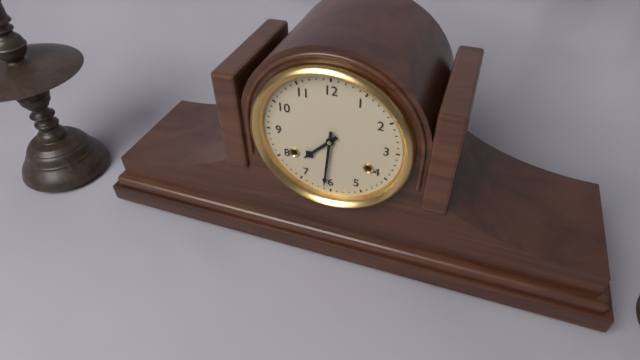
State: 7:31
